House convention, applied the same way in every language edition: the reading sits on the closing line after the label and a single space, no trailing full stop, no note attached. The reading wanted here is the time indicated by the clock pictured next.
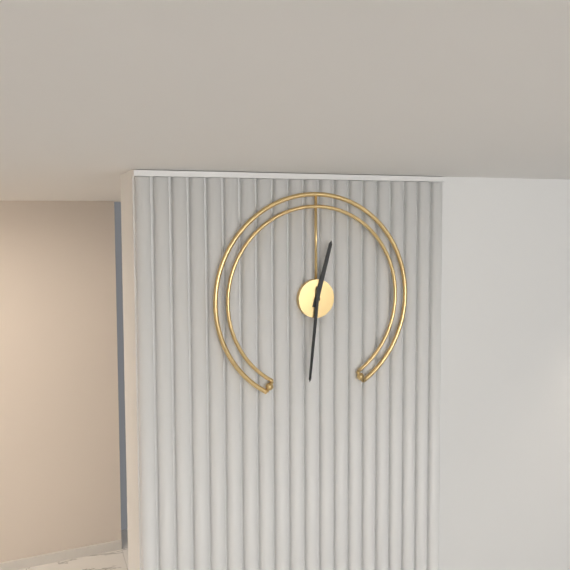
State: 12:31
